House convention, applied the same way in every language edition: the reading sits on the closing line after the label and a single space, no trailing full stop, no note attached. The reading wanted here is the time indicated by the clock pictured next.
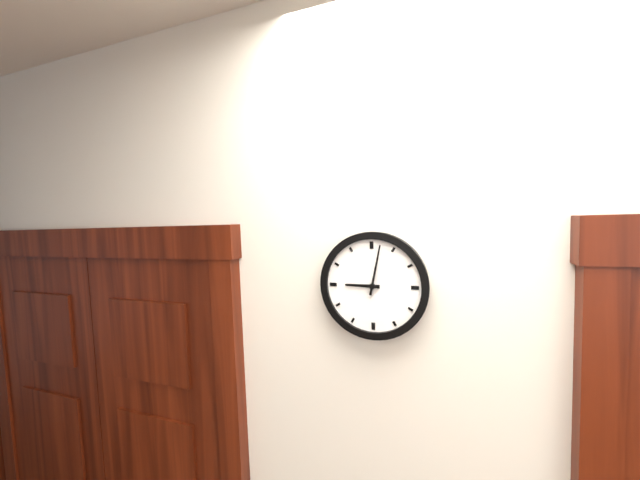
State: 9:02
